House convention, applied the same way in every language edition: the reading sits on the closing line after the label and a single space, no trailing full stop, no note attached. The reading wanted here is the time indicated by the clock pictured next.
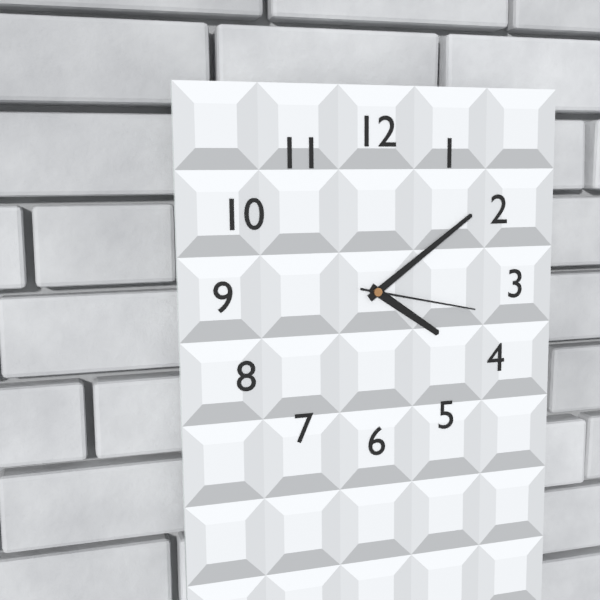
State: 4:09:17
